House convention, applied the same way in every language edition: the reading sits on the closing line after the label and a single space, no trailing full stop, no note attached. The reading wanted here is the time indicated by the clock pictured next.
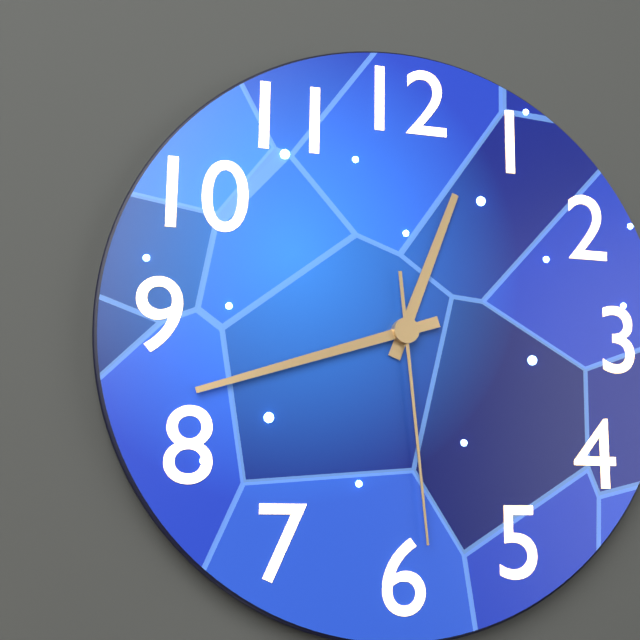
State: 12:42:29
